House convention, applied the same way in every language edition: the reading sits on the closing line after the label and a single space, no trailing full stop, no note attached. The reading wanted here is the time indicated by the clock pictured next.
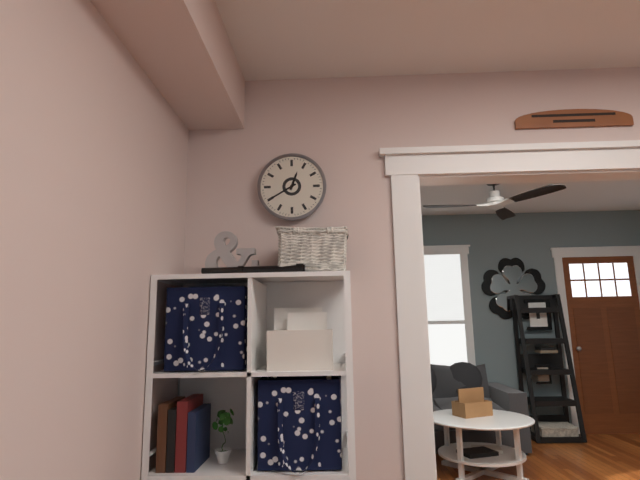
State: 12:40
